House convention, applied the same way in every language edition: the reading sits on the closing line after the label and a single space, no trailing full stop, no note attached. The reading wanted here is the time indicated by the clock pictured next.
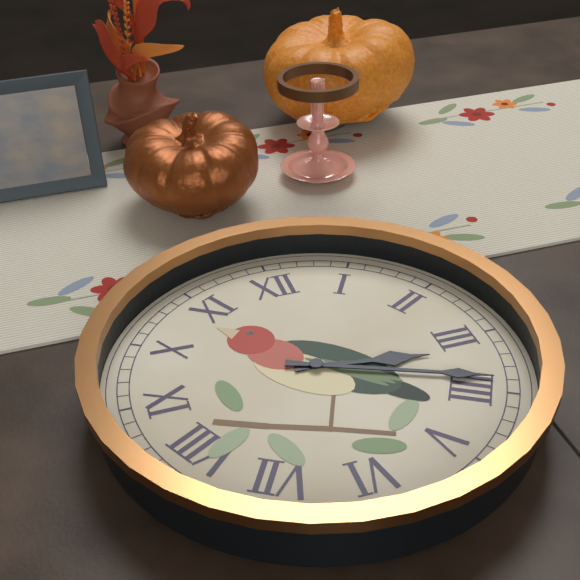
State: 3:19
